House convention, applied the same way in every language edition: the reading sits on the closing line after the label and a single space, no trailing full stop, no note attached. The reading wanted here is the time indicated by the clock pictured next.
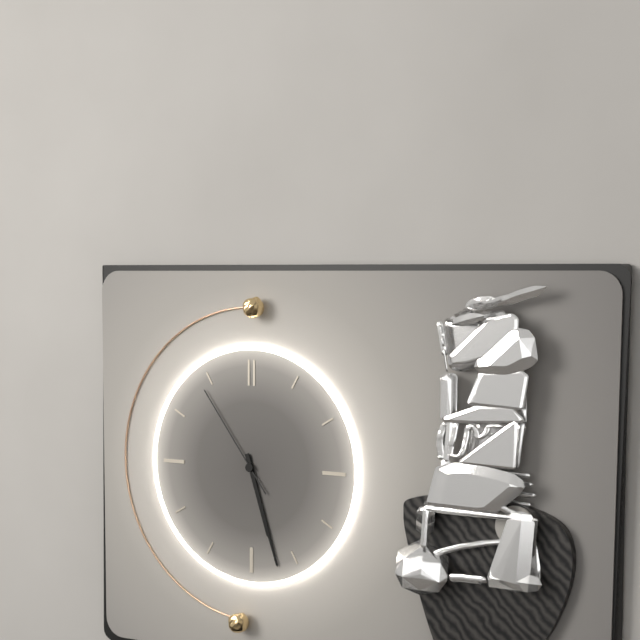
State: 5:27:54
